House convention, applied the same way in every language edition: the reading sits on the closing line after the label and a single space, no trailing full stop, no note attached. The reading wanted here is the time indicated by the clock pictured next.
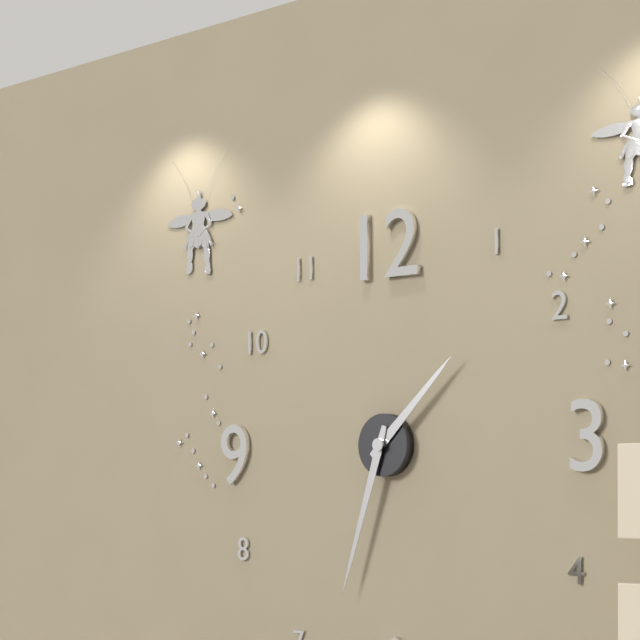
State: 1:33
